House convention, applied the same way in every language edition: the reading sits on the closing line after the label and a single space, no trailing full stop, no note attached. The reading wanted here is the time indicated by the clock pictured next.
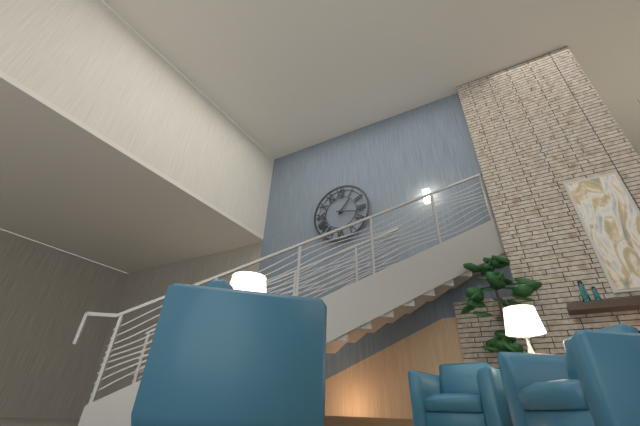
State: 1:17
